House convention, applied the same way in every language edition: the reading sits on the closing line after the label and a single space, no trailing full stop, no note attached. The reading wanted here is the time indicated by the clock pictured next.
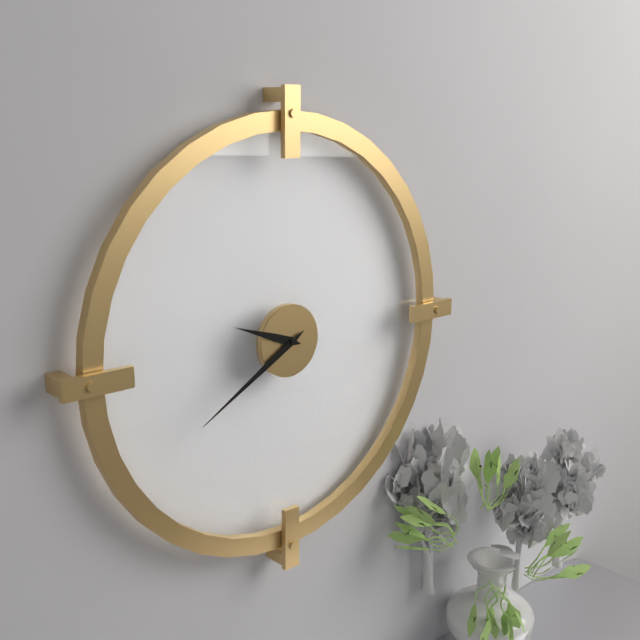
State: 9:40
